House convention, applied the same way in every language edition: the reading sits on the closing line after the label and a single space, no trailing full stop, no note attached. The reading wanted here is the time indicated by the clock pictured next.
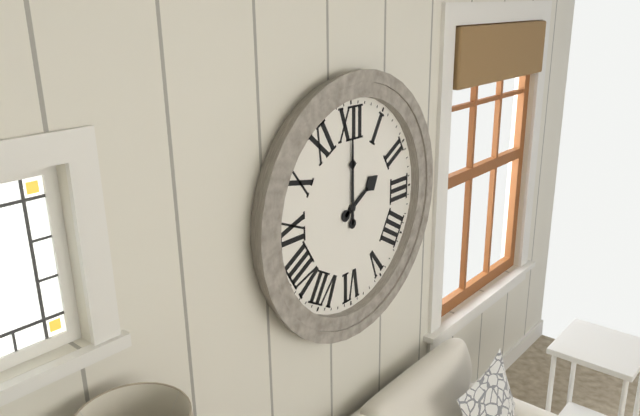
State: 2:00
